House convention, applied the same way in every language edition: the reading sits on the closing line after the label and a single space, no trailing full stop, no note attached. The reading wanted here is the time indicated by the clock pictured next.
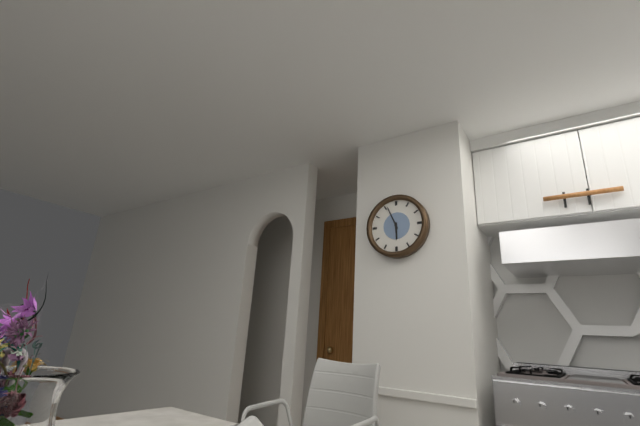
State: 5:56
